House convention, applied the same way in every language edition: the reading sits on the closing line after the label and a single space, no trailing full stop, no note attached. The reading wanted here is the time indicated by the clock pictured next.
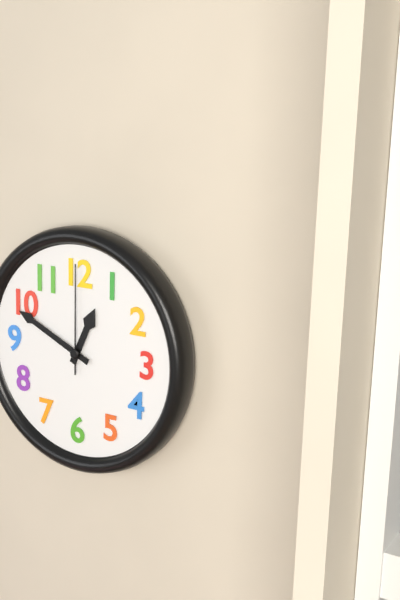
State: 12:49:00
